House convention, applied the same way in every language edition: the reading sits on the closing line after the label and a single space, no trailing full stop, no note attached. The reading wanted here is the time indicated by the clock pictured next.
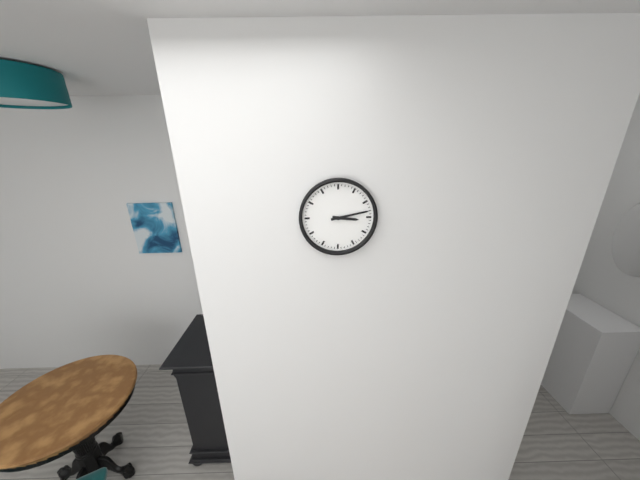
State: 3:13
